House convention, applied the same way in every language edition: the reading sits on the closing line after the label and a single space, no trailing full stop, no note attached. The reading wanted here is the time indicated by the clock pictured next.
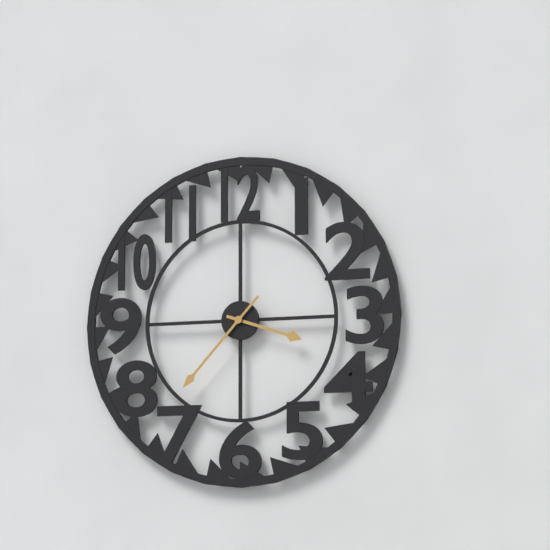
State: 3:37
